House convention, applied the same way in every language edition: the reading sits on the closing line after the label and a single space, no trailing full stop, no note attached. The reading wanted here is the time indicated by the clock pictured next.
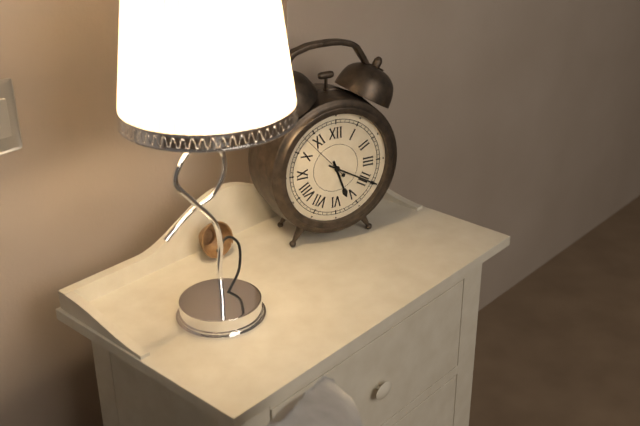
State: 5:20:53
